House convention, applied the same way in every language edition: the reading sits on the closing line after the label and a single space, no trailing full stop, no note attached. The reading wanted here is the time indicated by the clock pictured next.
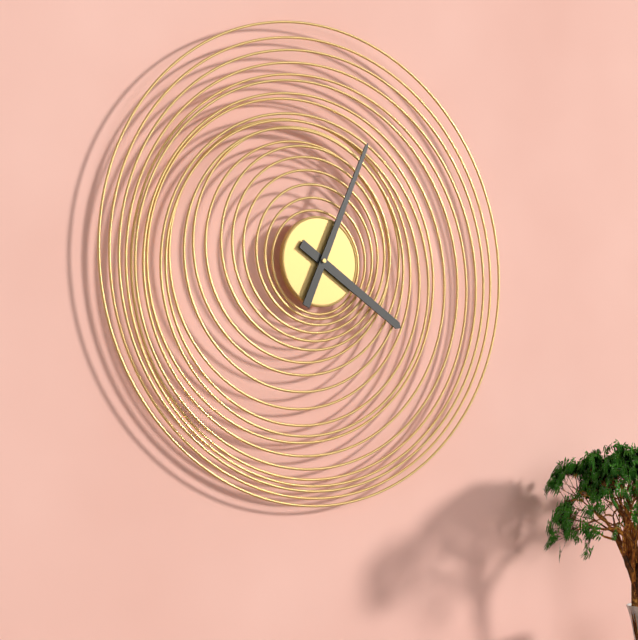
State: 4:04
